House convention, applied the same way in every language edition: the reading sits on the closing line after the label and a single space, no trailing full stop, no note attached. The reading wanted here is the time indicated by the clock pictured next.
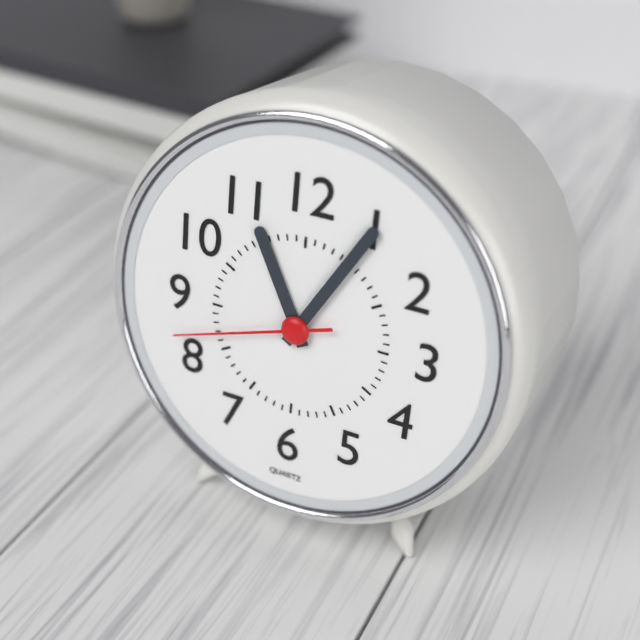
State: 11:05:42
